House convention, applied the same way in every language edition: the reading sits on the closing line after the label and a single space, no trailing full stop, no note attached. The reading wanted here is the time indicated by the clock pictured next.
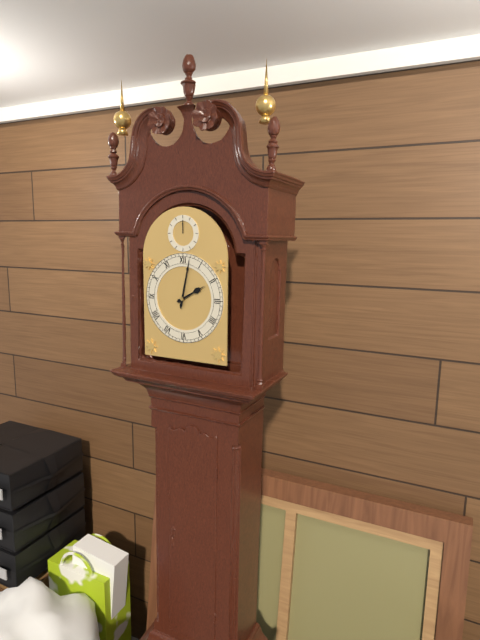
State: 2:02
